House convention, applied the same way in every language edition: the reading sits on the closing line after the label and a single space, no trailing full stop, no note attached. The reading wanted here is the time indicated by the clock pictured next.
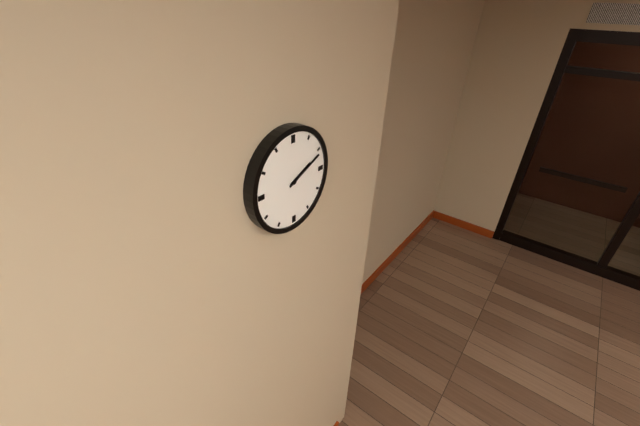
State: 2:11
